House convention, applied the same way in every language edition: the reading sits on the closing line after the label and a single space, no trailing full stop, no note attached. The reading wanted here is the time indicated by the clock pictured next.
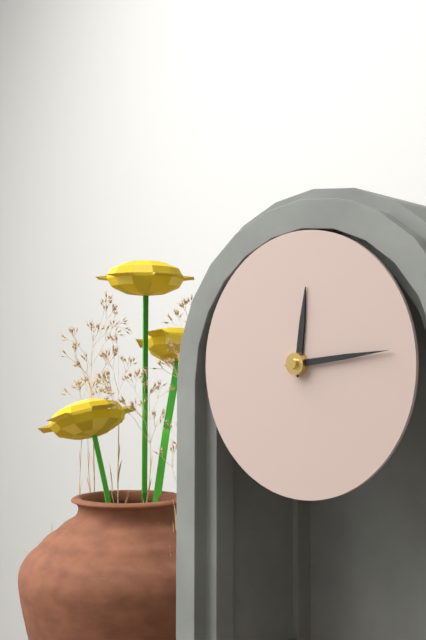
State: 12:14
